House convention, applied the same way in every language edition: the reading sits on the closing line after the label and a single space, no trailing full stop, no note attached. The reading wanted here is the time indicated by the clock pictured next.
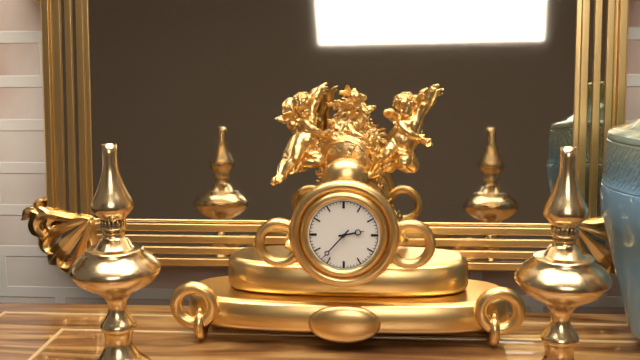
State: 2:37
